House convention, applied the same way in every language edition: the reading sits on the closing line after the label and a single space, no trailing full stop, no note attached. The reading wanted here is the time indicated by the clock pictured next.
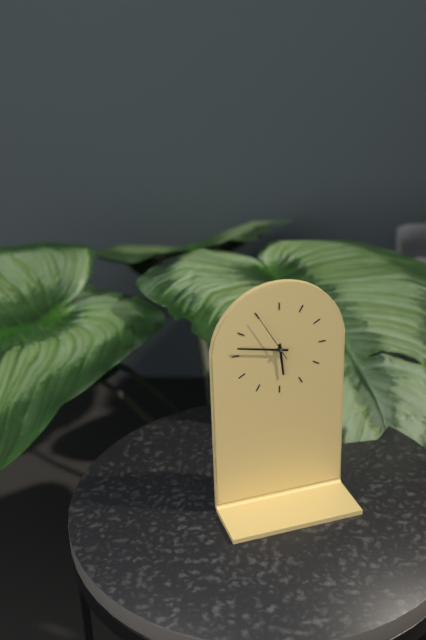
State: 5:47:55
